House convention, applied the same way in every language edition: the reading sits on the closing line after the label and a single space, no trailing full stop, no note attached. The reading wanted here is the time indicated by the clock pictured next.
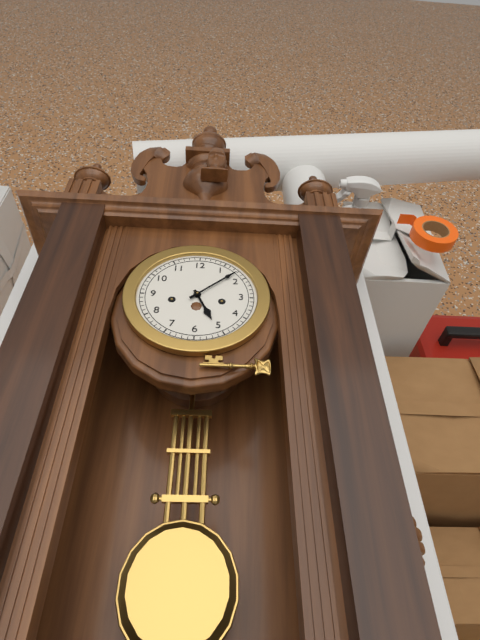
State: 5:08
